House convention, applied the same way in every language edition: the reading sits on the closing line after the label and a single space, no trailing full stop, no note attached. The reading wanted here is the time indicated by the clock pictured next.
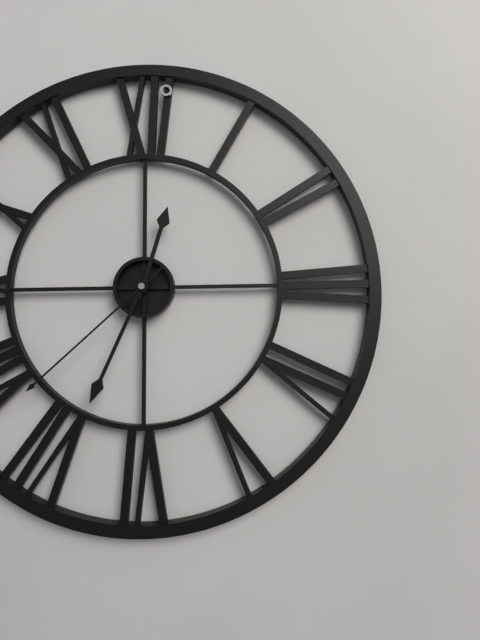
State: 12:34:38
